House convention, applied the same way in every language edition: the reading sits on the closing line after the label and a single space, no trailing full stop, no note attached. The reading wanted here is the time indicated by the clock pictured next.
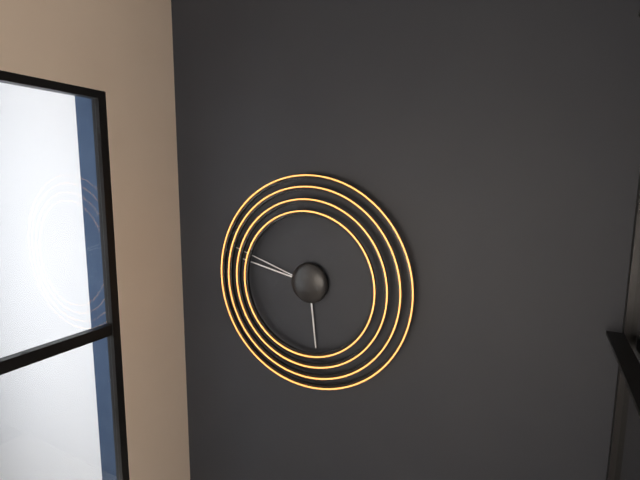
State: 5:47:48
